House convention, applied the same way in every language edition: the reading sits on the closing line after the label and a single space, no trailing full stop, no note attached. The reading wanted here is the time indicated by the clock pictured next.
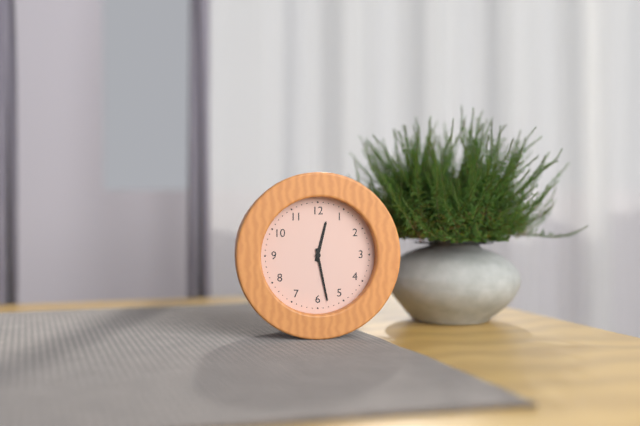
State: 12:28
